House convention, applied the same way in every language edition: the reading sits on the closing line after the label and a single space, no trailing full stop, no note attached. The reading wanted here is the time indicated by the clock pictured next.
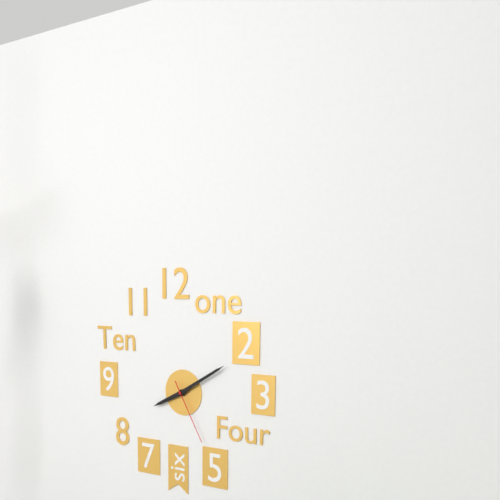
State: 8:10:25
